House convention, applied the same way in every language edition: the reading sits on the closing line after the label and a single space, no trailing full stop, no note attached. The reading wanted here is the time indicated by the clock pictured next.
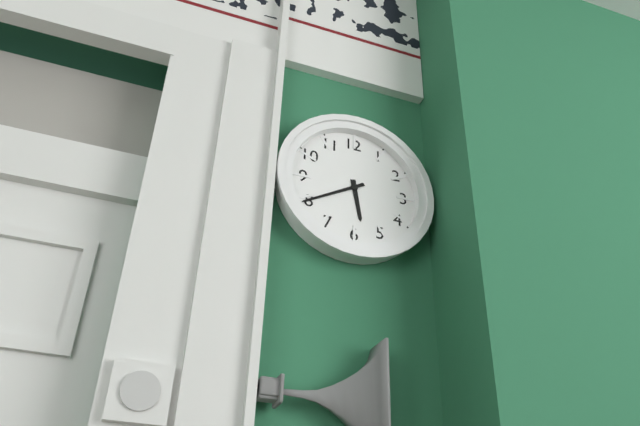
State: 5:40
